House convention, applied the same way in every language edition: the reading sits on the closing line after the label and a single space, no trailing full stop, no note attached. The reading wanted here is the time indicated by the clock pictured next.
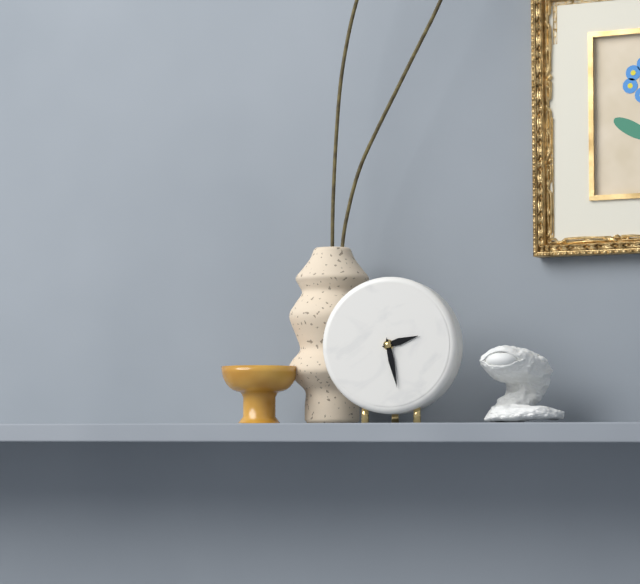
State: 2:28
